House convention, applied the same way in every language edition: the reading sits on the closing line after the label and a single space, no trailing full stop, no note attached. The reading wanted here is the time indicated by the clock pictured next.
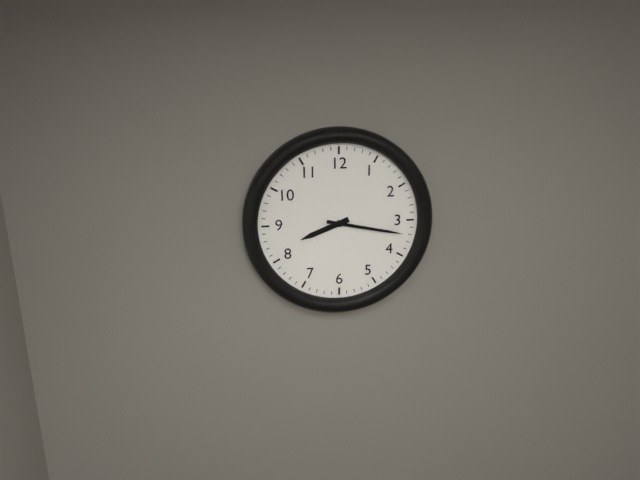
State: 8:17
